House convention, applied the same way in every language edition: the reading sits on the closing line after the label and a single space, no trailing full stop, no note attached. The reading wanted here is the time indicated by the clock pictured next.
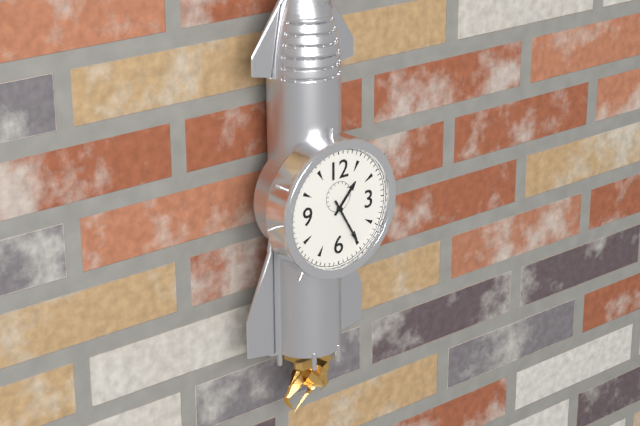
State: 1:25
